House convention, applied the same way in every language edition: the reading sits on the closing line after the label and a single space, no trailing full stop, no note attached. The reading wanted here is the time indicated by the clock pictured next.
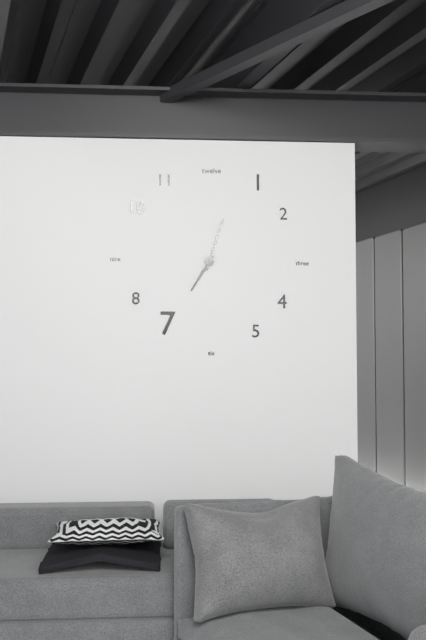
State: 7:03
